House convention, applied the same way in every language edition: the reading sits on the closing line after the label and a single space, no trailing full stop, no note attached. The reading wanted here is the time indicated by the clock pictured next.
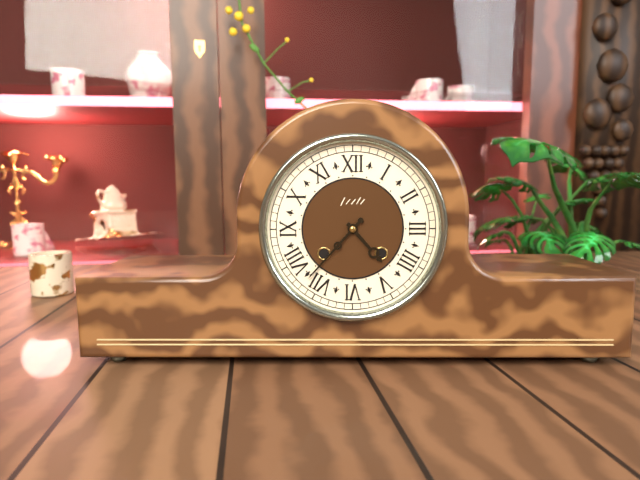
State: 4:37
